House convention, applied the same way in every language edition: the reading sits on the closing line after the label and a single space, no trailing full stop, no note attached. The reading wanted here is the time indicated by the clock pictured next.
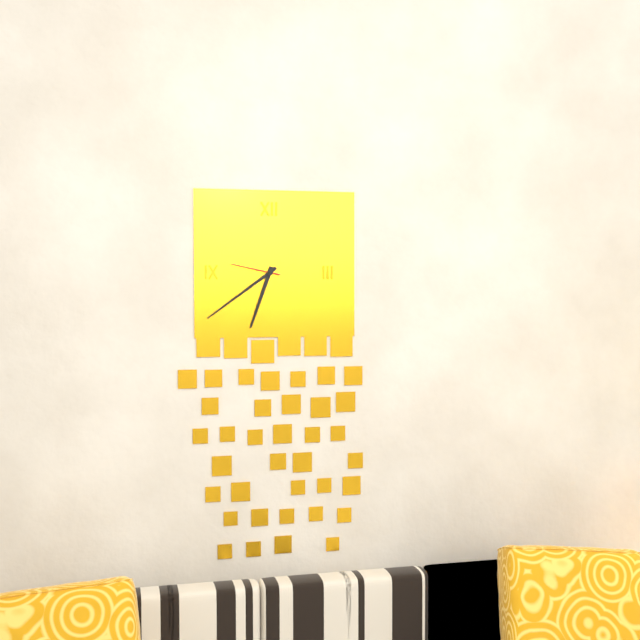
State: 6:39:47
